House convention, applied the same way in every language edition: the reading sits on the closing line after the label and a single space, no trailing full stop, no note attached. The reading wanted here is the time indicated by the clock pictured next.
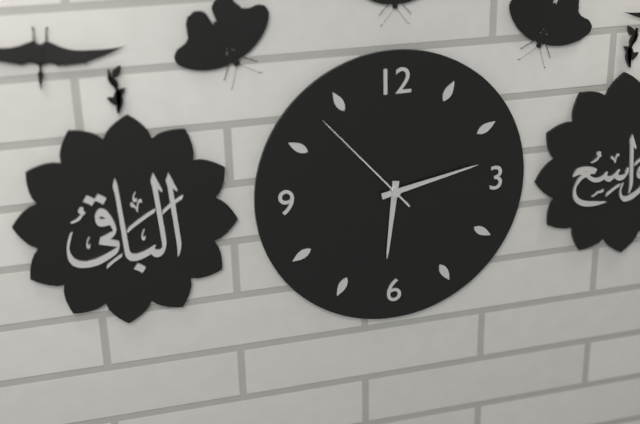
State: 6:13:53
